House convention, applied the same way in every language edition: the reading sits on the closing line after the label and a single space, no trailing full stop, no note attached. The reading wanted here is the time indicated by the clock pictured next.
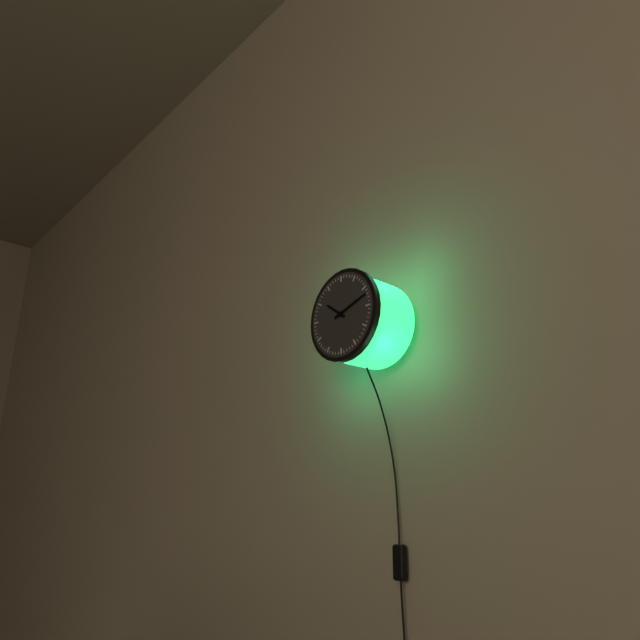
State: 10:12
